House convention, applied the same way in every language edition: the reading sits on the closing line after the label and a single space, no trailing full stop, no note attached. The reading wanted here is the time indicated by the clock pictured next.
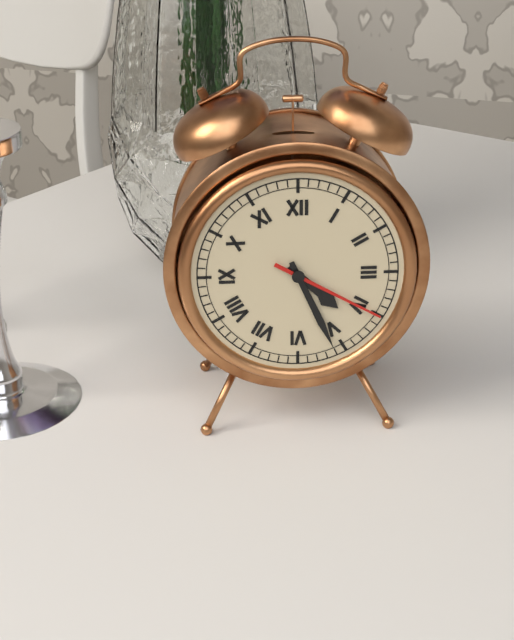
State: 4:26:20
